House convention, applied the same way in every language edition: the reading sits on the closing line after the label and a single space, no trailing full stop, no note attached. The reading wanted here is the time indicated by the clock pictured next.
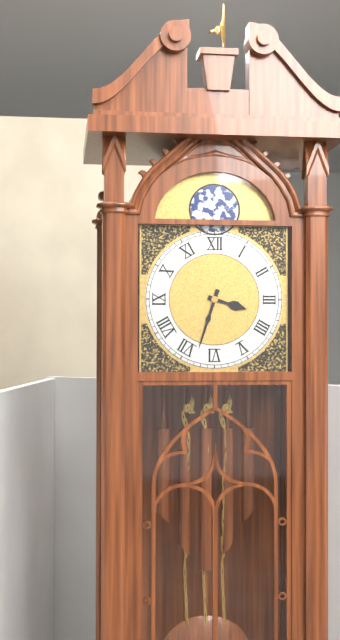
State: 3:33
